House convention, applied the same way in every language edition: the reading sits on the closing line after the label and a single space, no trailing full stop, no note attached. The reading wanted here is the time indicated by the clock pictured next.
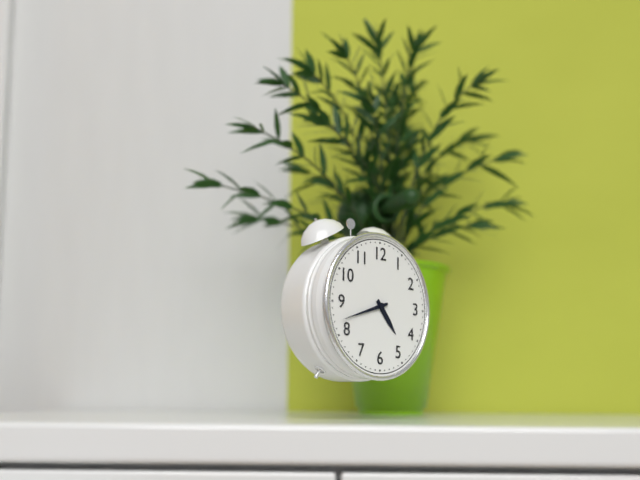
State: 4:42
